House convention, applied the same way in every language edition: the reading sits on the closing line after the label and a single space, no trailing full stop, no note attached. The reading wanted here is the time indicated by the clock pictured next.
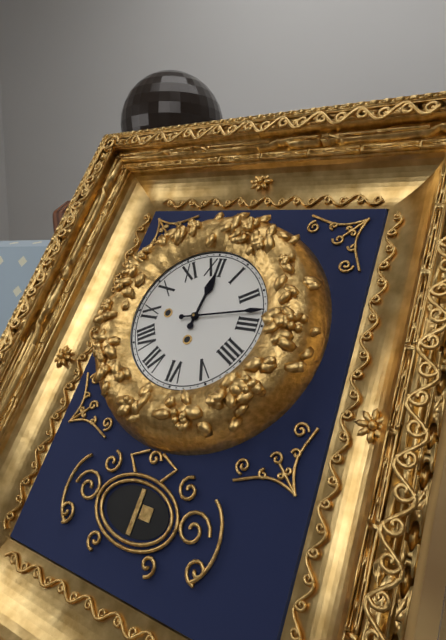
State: 12:13
